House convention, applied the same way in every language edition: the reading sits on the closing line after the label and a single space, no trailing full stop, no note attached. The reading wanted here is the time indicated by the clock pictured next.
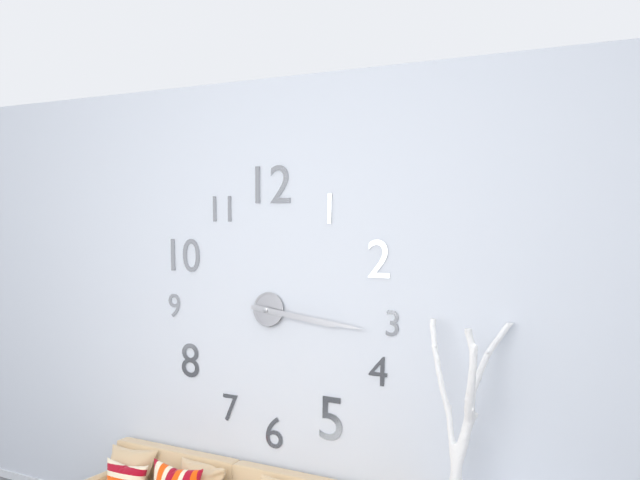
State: 3:16
